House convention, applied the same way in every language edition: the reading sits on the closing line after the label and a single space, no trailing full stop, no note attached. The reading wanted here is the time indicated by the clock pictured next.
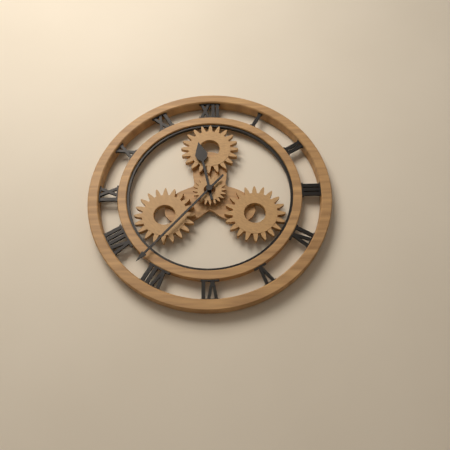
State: 11:37
